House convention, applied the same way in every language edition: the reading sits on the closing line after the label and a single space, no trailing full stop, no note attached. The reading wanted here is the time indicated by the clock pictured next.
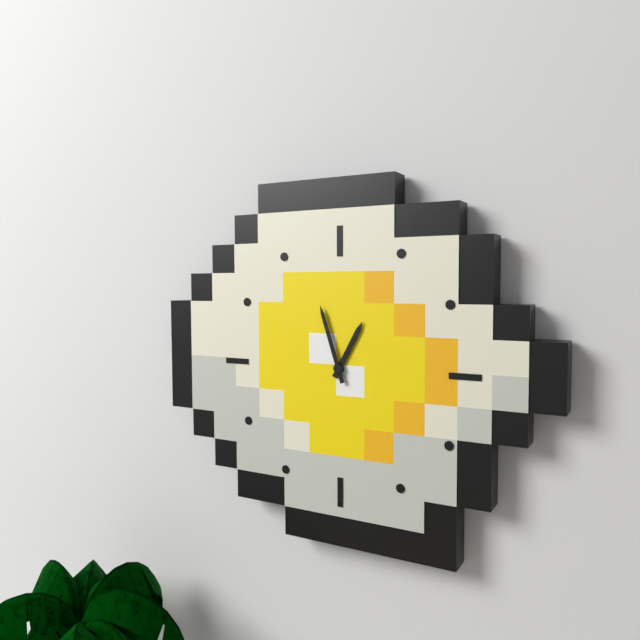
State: 12:57
